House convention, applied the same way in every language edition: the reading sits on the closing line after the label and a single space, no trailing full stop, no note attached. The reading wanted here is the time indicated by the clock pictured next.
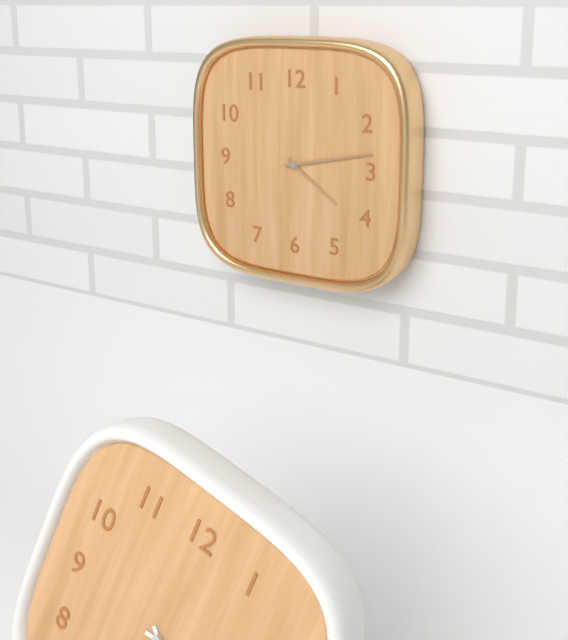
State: 4:13
